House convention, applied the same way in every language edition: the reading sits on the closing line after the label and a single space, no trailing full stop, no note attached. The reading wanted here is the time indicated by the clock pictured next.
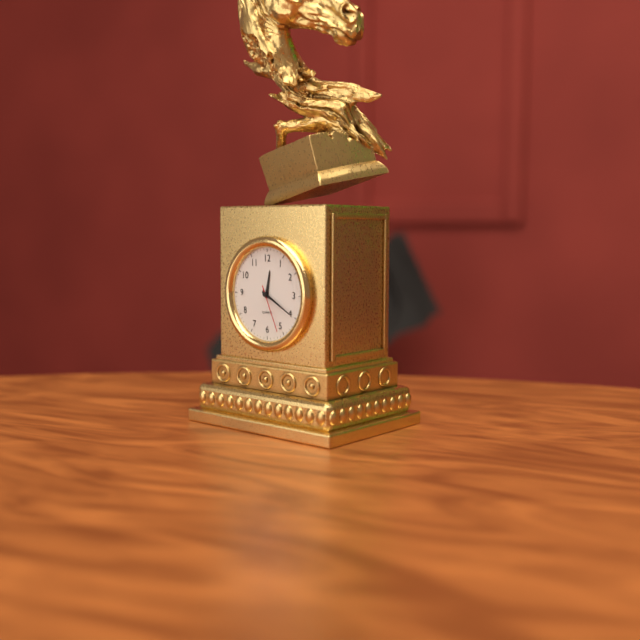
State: 12:20
